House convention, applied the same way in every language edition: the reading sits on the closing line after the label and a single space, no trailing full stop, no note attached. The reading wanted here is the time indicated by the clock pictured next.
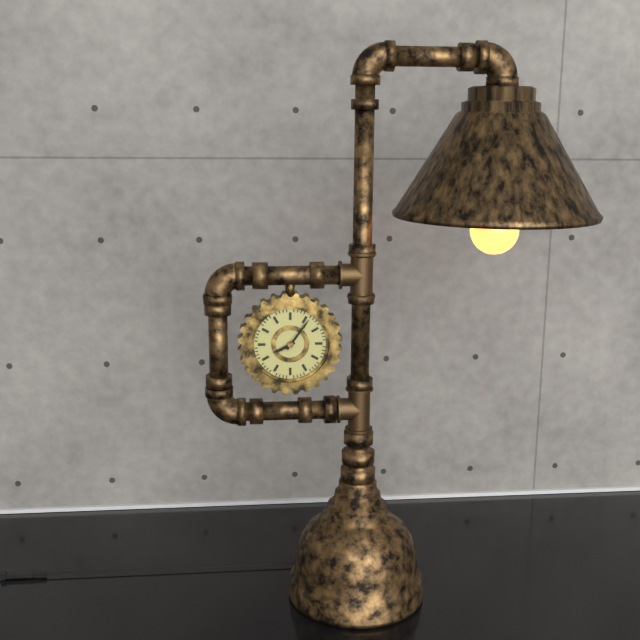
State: 8:06
